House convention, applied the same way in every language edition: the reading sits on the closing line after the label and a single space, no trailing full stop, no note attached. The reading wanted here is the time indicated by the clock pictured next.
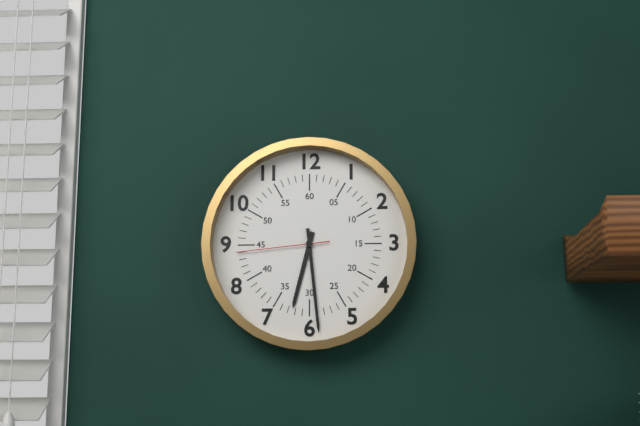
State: 6:29:44
